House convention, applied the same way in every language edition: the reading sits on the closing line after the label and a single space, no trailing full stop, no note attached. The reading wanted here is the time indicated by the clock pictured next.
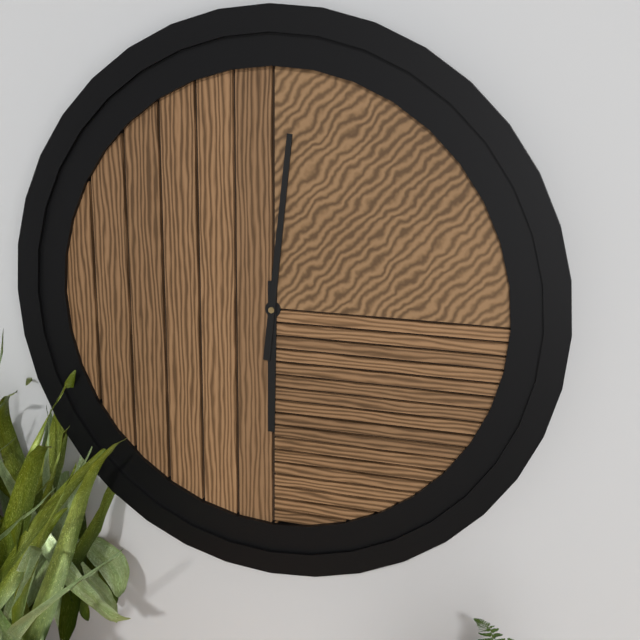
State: 6:01
